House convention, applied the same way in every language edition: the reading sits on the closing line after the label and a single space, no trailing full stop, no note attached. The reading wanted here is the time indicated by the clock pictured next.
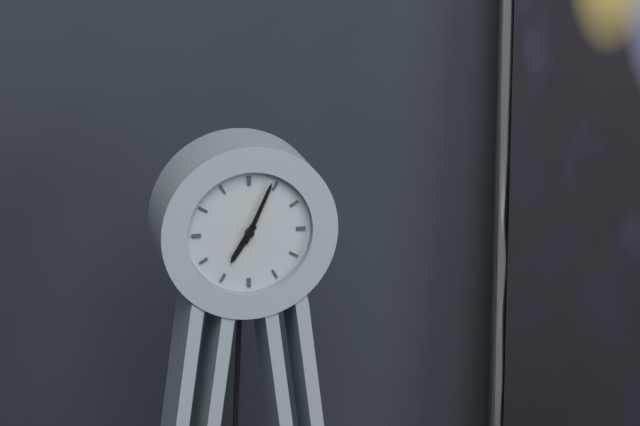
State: 7:04
